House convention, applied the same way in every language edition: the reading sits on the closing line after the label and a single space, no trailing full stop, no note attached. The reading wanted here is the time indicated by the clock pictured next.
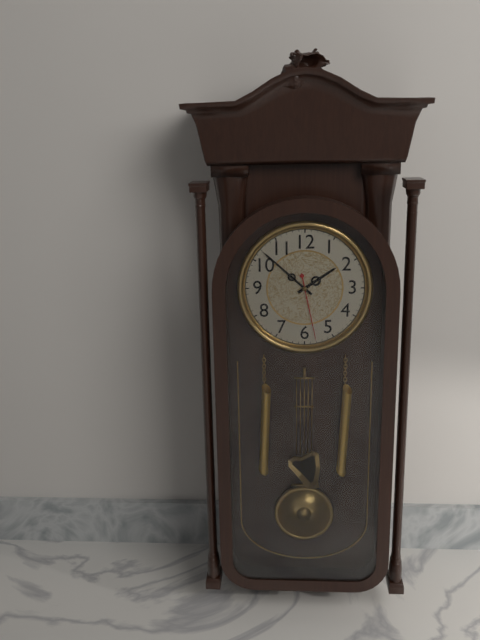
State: 1:52:28
